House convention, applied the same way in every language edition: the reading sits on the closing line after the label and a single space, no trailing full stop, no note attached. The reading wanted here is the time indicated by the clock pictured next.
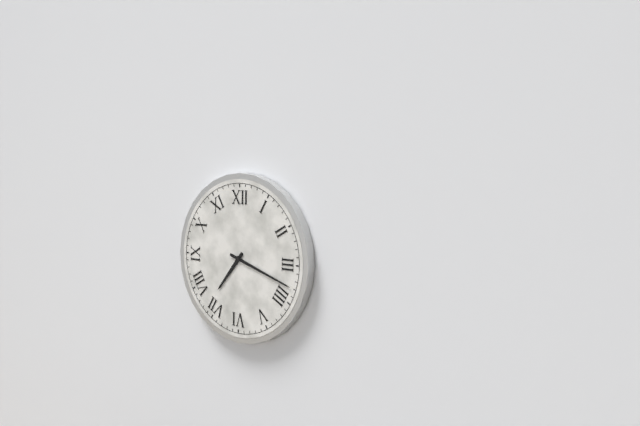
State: 7:18
